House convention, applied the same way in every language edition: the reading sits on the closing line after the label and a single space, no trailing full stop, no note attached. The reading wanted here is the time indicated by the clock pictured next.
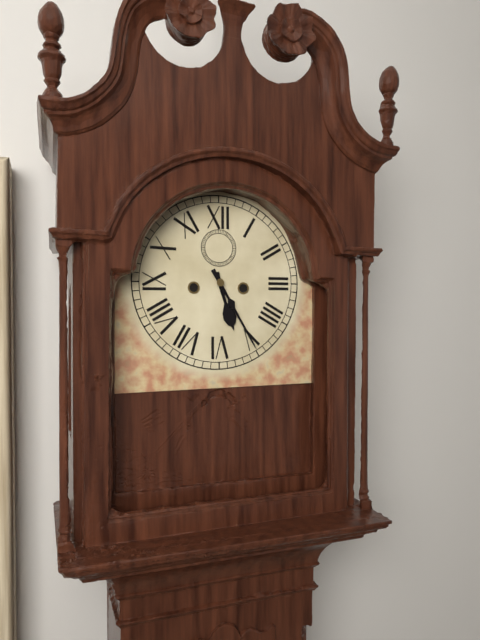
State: 5:25
